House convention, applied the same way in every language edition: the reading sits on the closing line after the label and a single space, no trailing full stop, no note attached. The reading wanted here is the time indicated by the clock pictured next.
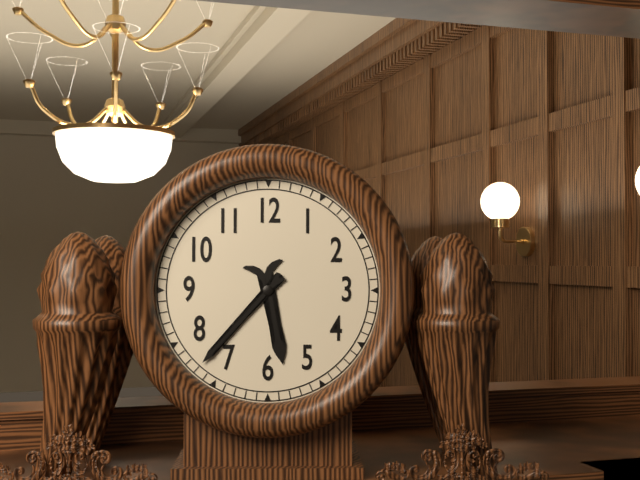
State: 5:37
